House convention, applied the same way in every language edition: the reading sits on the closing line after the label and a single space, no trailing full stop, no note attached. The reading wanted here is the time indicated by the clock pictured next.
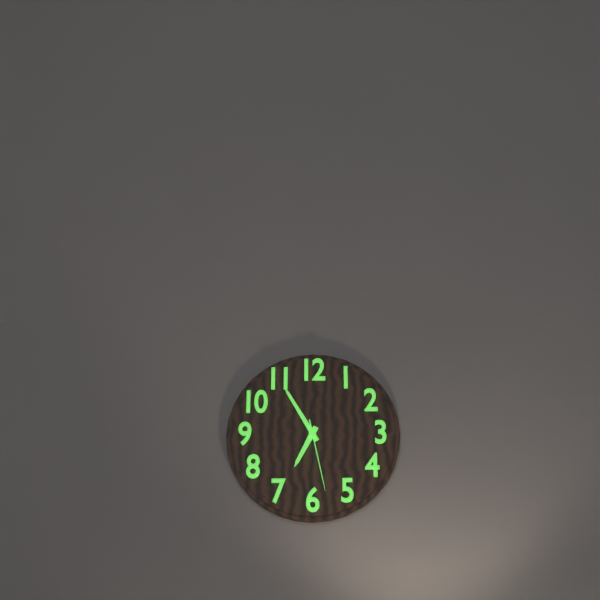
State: 6:55:28
